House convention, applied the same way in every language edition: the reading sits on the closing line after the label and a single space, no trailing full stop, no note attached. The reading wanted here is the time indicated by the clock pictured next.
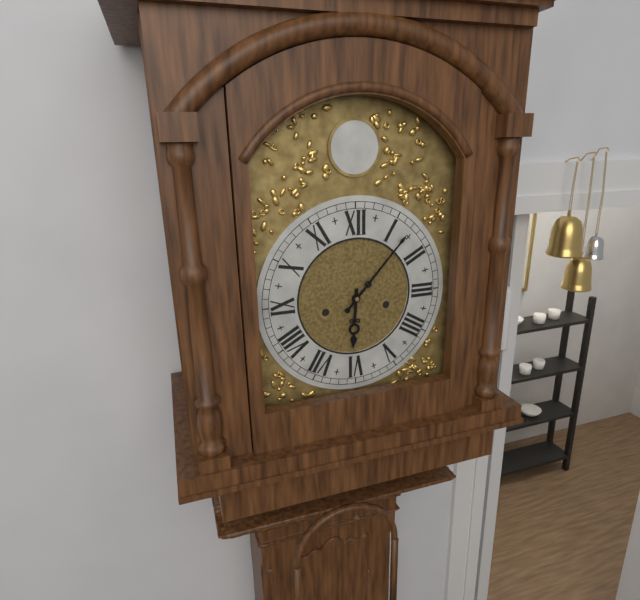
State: 6:07
